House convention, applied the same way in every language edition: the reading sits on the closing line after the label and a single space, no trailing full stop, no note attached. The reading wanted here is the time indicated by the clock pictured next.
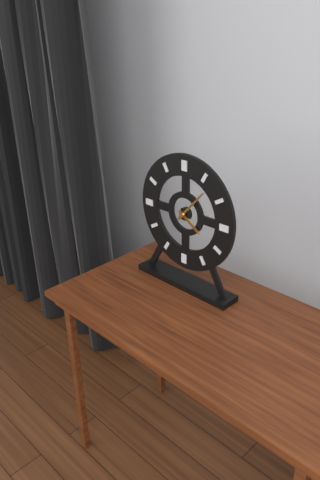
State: 4:07
